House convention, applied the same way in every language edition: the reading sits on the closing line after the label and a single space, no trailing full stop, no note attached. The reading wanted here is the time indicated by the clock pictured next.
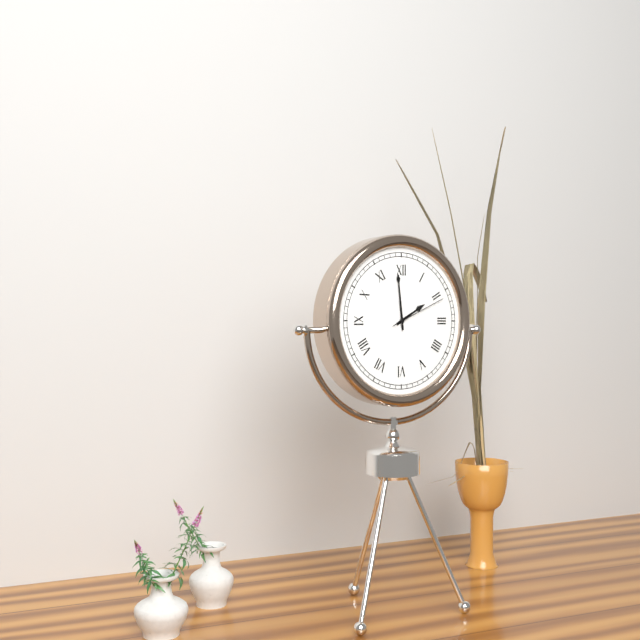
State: 1:59:11
